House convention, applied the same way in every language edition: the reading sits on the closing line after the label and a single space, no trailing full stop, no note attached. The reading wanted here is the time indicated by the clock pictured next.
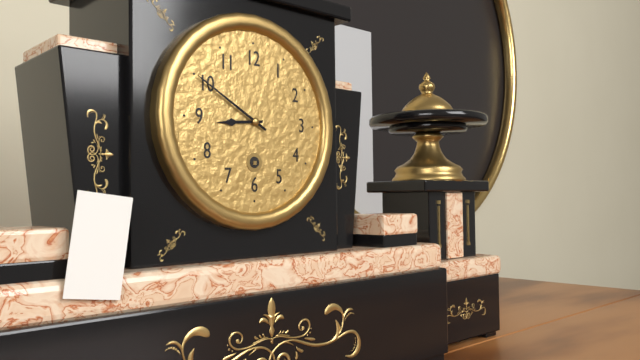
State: 8:50
